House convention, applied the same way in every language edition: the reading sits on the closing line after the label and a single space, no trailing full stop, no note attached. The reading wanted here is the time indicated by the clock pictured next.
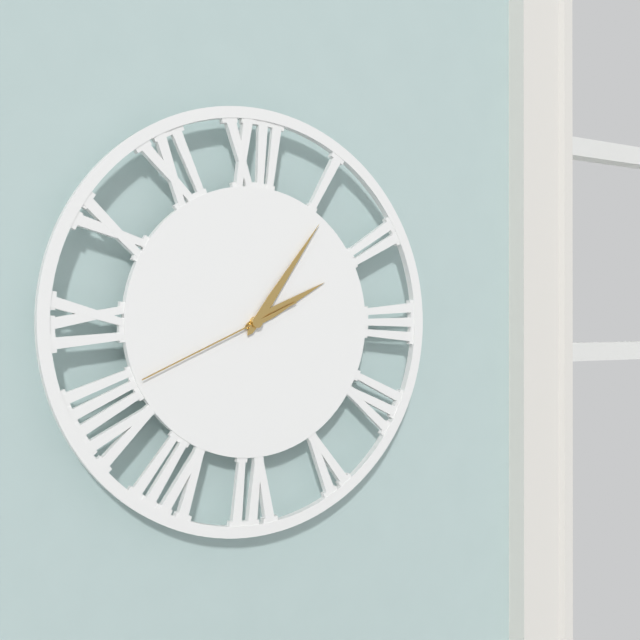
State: 2:06:41
